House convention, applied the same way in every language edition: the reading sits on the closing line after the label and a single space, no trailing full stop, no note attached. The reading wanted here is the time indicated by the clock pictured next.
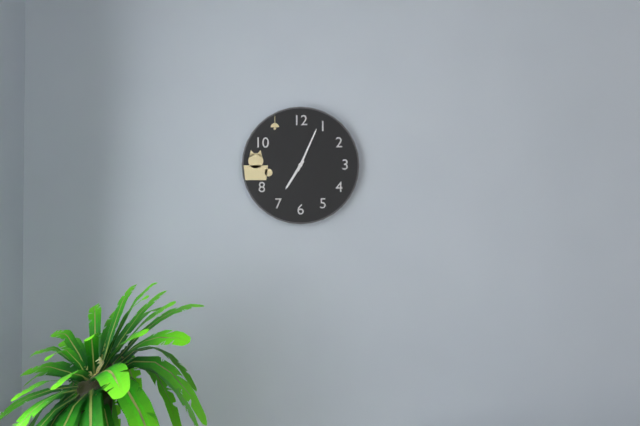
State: 7:04
